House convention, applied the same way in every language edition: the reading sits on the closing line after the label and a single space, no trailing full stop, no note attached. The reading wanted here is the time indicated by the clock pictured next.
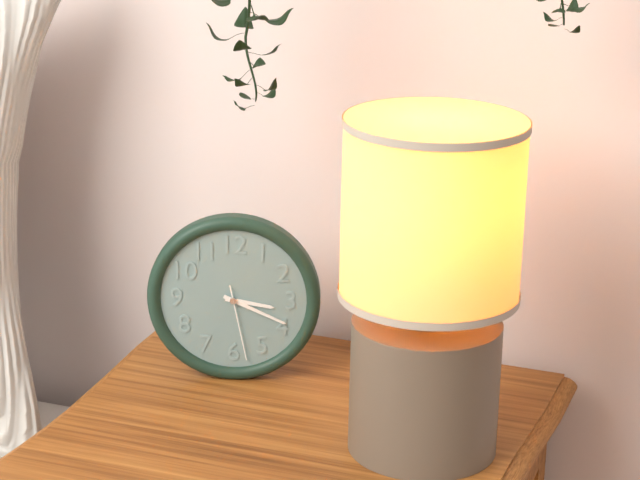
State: 3:19:28
